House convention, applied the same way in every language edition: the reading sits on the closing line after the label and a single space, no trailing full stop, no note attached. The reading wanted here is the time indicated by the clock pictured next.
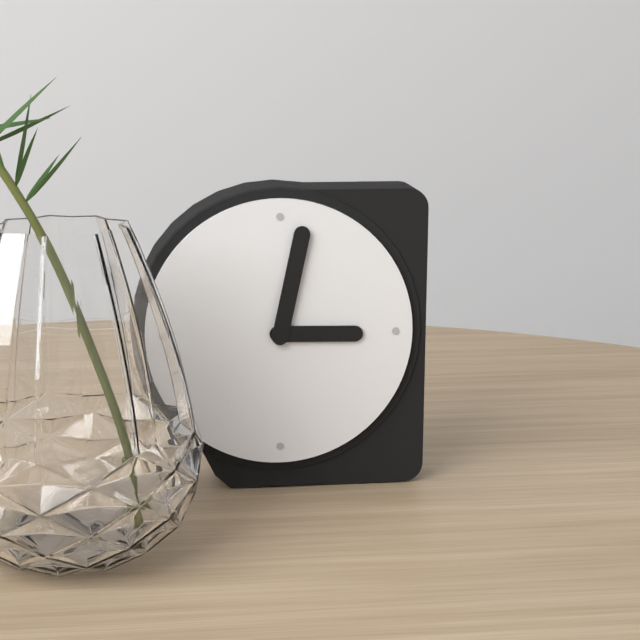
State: 3:02
